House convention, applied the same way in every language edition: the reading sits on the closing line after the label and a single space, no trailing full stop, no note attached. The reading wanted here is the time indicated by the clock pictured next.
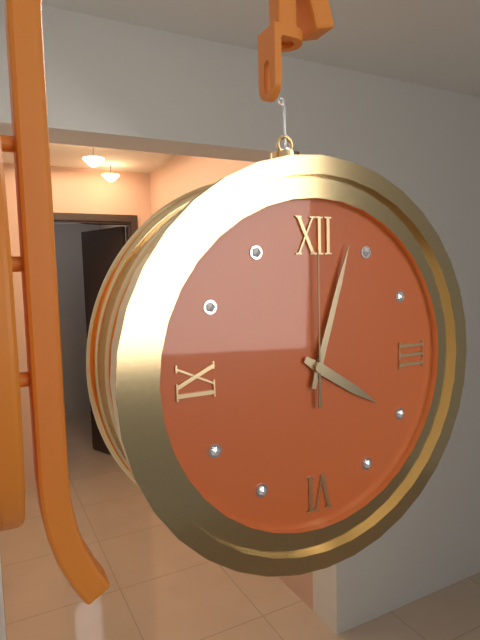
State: 4:03:00
